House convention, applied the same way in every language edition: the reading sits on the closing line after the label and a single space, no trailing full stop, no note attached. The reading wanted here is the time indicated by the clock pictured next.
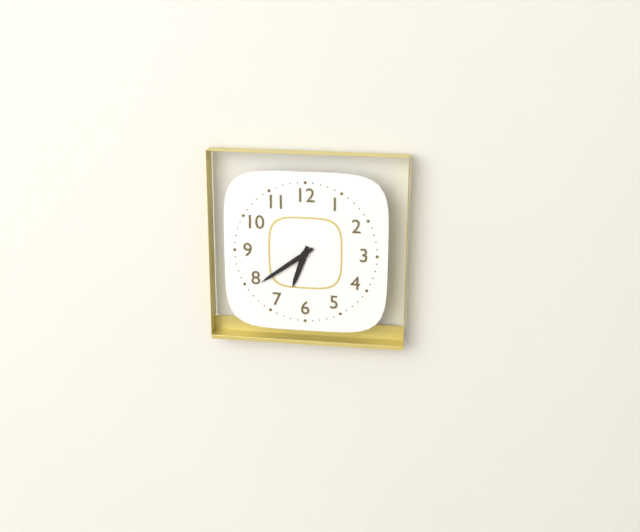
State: 6:39
